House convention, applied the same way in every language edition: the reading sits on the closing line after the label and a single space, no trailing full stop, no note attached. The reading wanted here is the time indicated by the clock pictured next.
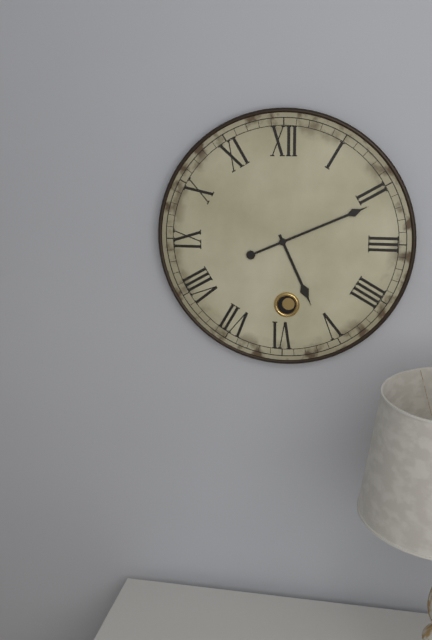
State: 5:11
